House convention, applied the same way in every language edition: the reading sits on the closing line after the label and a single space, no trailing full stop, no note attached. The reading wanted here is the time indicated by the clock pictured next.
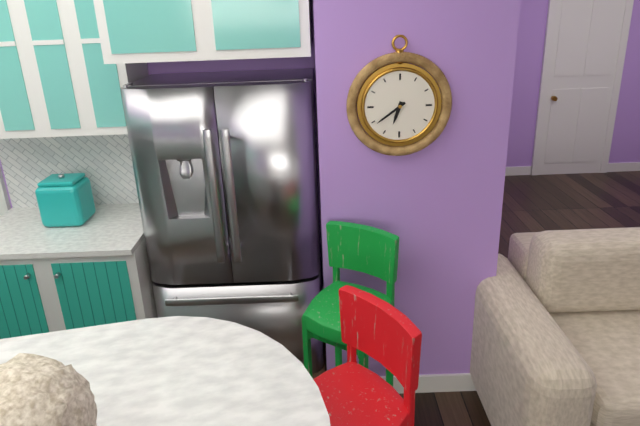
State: 6:39
